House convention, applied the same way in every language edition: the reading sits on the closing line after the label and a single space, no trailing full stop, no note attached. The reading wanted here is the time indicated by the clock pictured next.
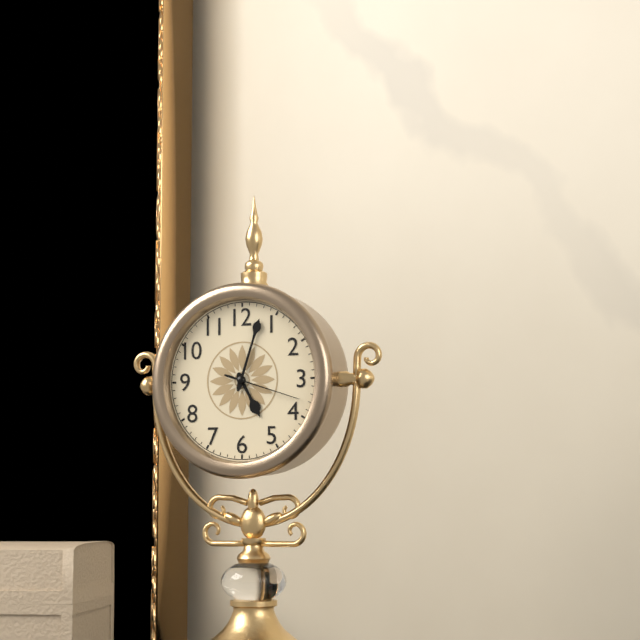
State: 5:03:18
